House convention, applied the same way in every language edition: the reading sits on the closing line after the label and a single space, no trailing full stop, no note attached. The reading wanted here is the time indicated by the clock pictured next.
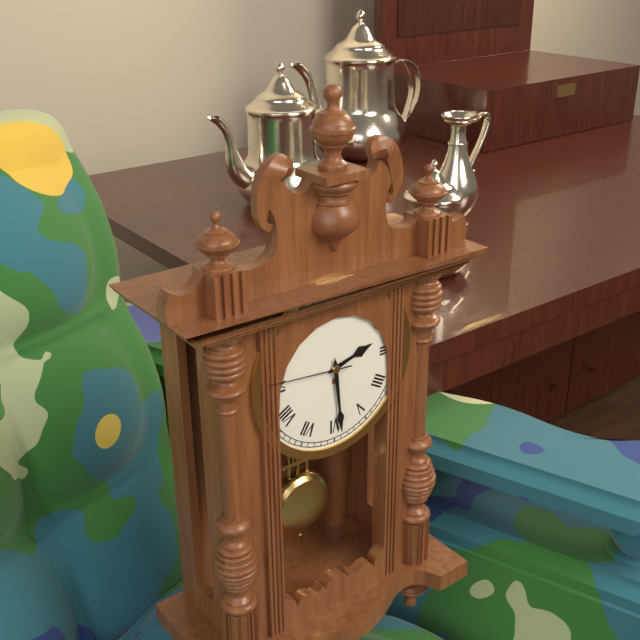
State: 2:29:46
